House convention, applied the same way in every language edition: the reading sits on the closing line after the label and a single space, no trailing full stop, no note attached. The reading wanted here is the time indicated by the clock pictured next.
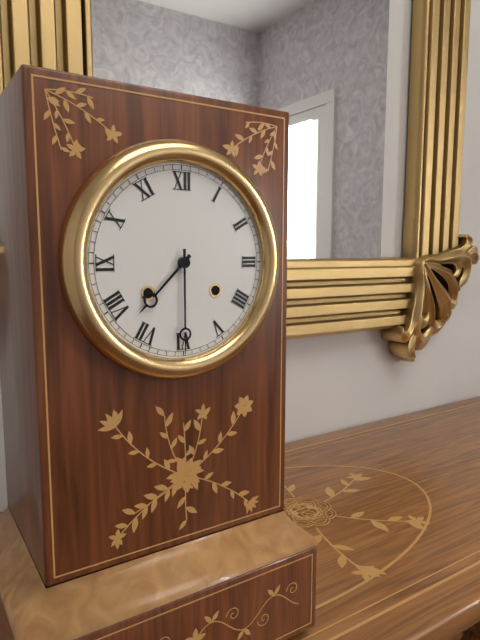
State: 7:30
